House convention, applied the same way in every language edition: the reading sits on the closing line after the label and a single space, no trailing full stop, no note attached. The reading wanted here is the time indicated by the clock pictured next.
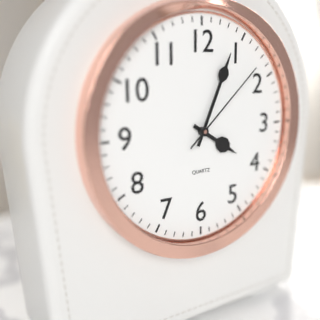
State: 4:04:08
